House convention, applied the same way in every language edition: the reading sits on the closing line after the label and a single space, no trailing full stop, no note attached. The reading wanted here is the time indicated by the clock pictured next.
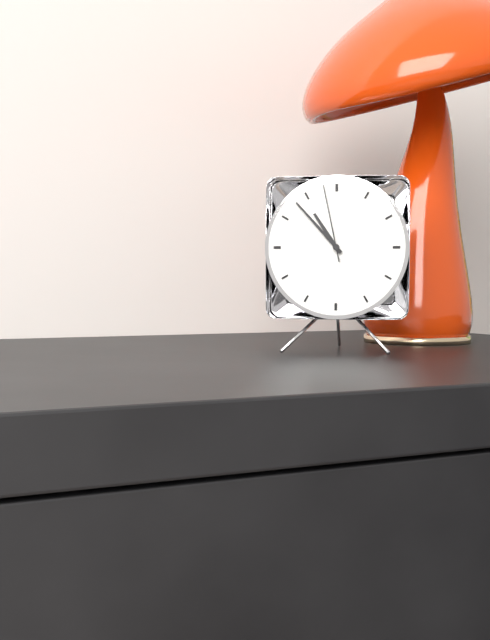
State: 10:53:58
